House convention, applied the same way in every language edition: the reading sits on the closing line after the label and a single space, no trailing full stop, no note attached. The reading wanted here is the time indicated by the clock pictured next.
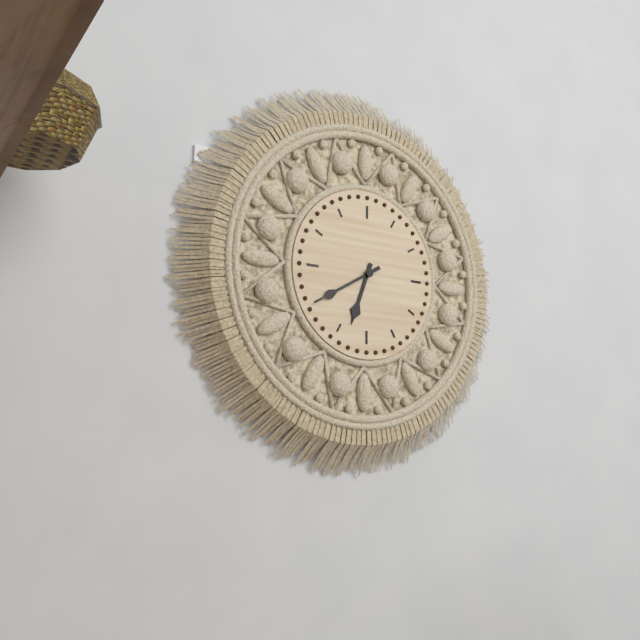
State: 6:40
